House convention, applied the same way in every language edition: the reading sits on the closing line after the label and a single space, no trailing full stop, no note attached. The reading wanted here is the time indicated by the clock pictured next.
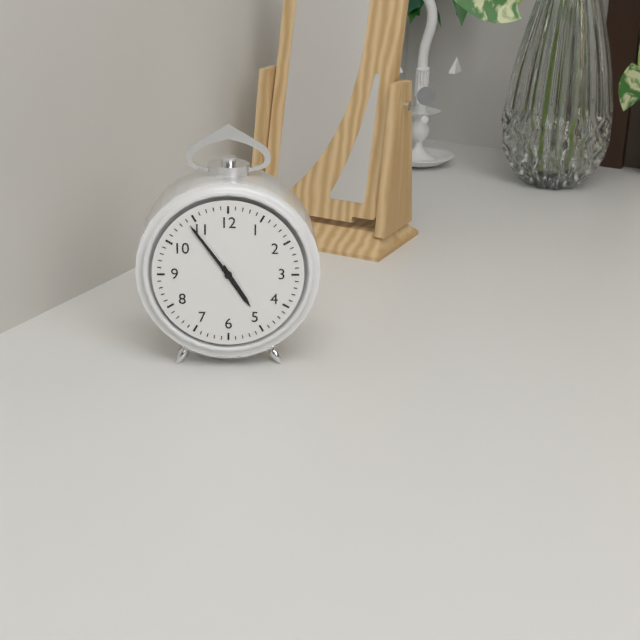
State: 4:54
